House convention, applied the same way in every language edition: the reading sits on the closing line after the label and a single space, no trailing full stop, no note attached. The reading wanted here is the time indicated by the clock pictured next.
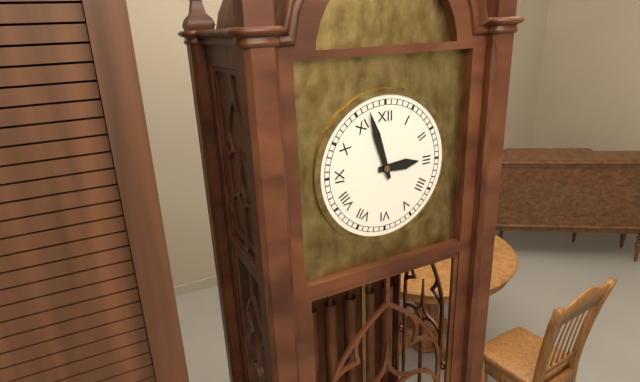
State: 2:57
